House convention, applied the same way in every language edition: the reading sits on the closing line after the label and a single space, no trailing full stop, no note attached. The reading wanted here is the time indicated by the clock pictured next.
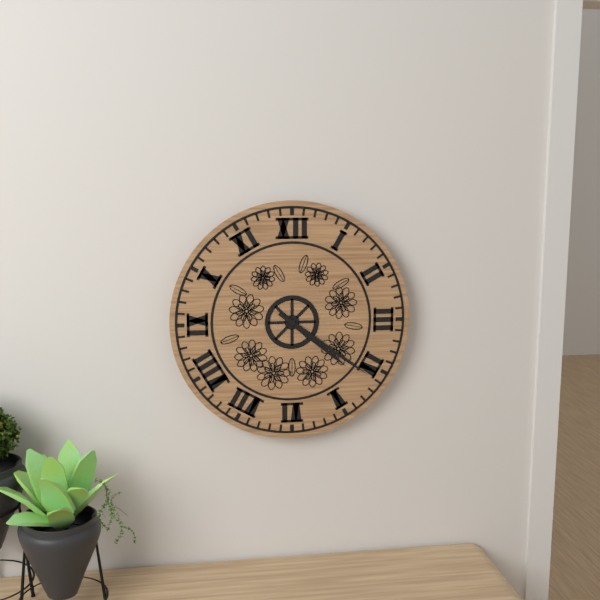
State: 4:21
